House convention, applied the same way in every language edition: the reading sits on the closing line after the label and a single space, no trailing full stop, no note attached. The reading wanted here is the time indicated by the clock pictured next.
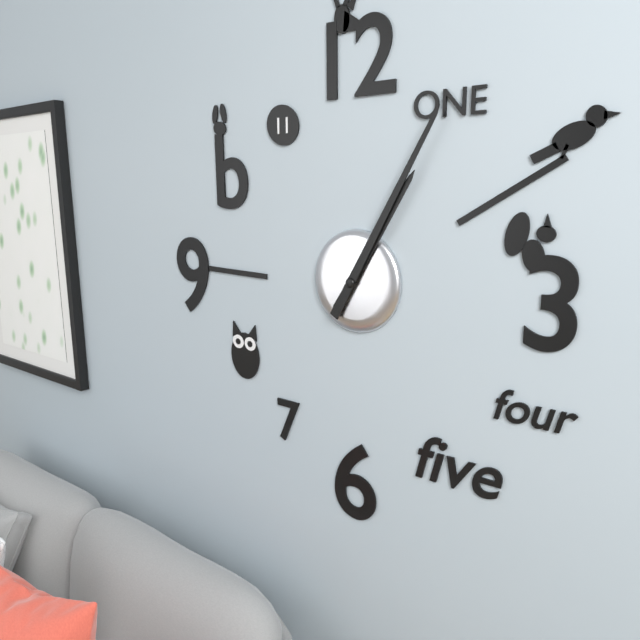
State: 1:05
